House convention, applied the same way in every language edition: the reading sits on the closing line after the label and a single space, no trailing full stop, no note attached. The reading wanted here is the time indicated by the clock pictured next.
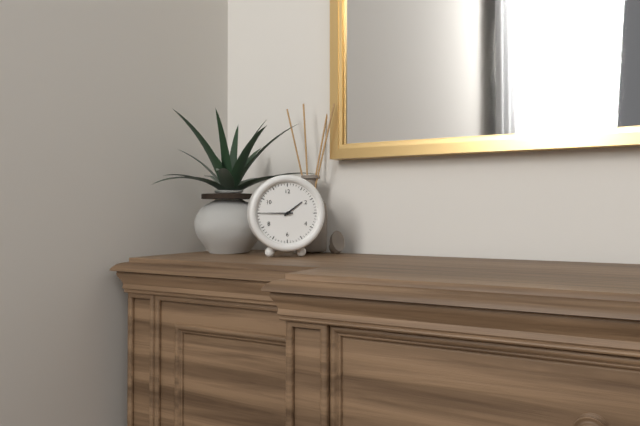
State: 1:45
